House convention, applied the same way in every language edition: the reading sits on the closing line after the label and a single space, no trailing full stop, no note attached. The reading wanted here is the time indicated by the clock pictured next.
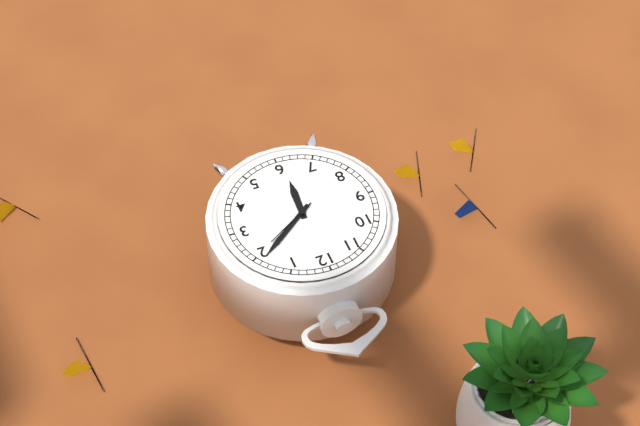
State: 6:09:10
